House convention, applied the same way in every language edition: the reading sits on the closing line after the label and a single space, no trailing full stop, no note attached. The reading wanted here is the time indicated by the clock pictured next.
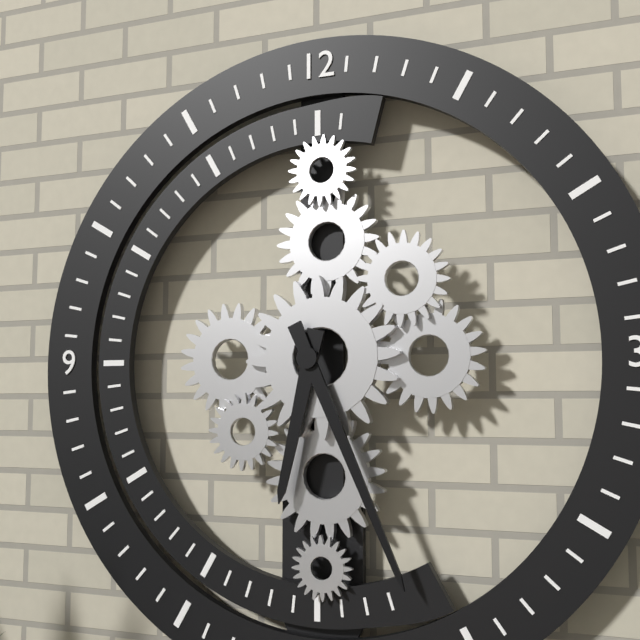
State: 6:26
